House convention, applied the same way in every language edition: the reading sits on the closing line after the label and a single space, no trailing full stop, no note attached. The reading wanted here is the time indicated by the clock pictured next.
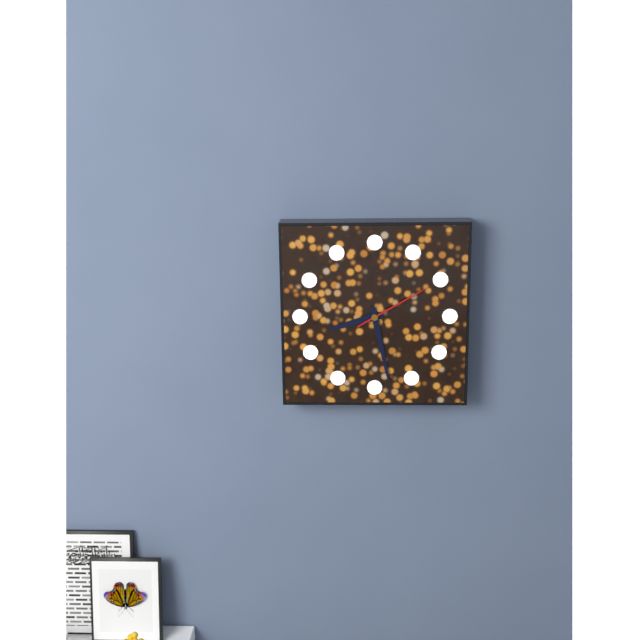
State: 8:28:10
